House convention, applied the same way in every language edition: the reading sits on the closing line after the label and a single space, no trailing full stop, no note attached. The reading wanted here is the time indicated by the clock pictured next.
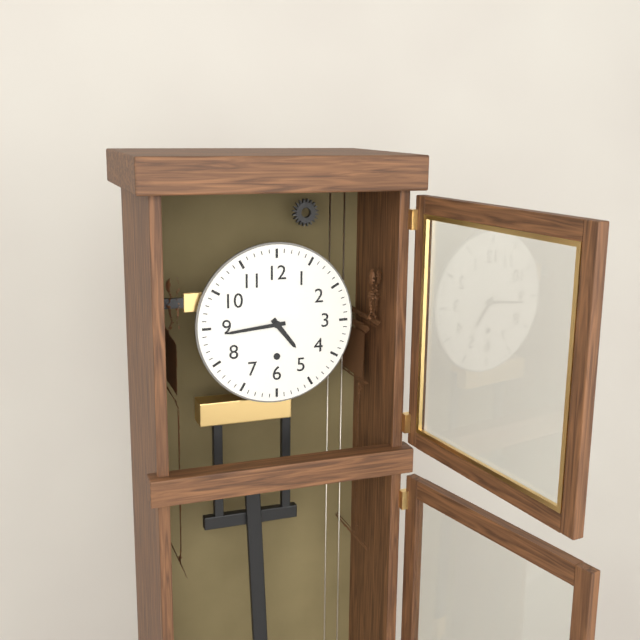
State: 4:44
